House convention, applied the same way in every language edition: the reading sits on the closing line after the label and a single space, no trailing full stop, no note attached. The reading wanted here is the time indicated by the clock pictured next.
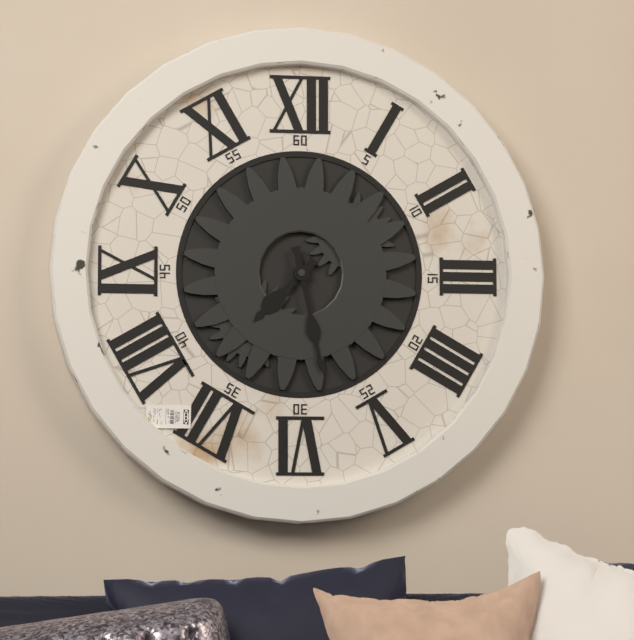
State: 7:28
